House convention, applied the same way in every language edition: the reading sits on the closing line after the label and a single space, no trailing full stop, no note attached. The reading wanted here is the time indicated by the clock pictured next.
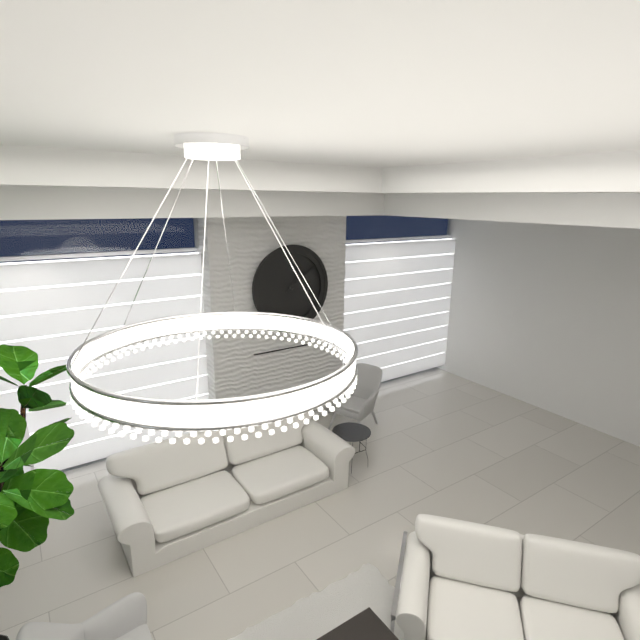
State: 1:09
